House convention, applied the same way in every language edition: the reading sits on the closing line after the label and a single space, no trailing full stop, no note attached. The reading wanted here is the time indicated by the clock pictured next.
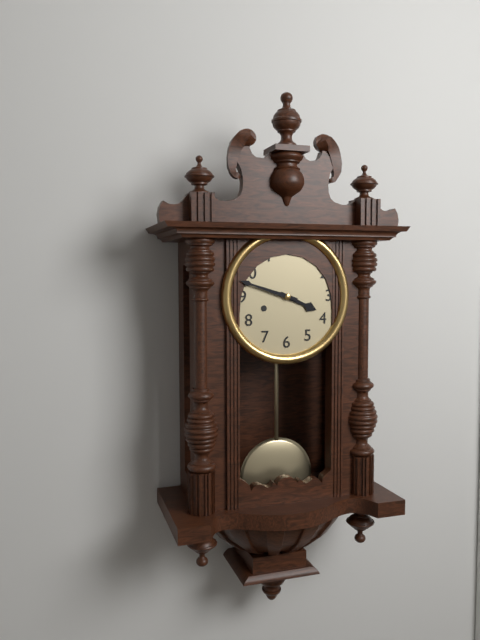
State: 3:48
